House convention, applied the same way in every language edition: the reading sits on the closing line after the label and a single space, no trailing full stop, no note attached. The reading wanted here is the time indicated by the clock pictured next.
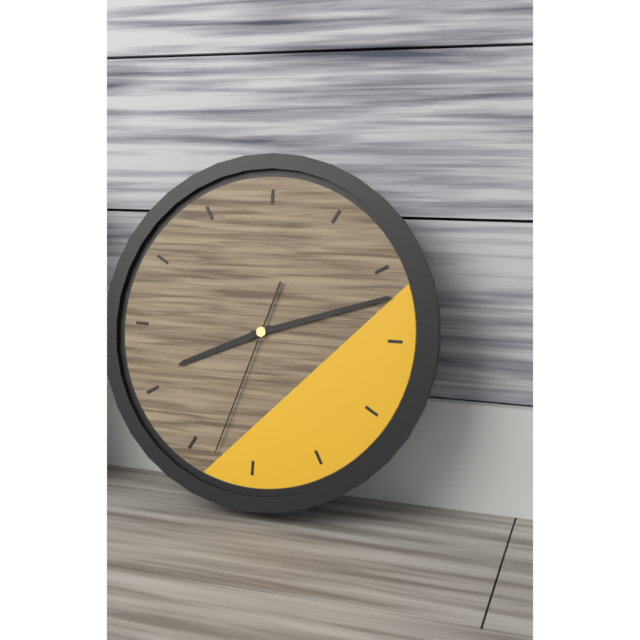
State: 8:12:33
